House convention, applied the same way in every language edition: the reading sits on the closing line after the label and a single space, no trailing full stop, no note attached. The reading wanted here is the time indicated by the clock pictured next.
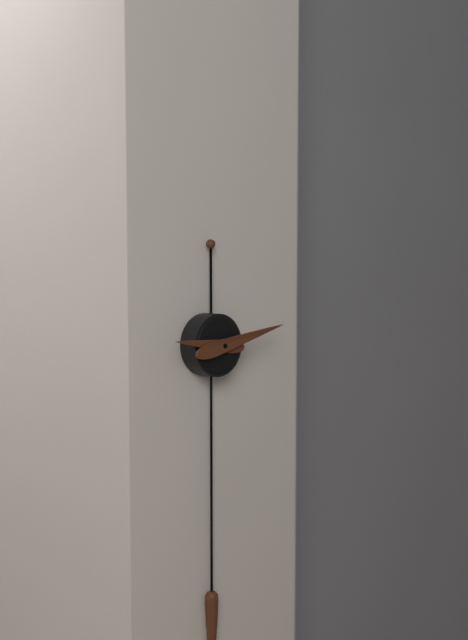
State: 9:13
